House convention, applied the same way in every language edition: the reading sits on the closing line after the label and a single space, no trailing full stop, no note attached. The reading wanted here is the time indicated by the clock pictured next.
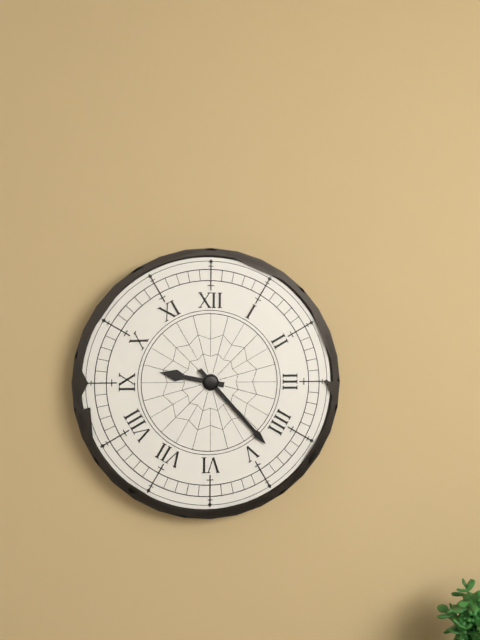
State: 9:23
